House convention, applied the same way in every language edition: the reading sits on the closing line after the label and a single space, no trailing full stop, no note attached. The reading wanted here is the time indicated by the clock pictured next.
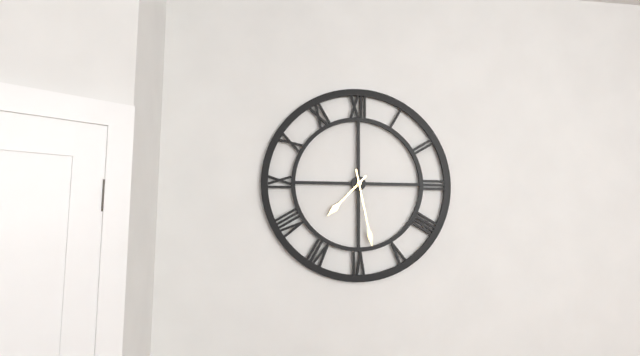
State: 7:28
